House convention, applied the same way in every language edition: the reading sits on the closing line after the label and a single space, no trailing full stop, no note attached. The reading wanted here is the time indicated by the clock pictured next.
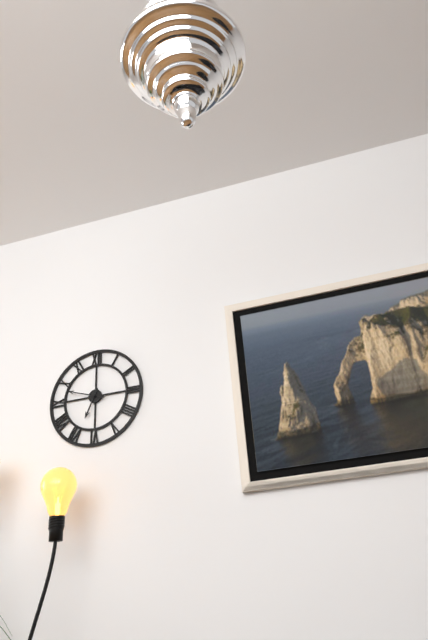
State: 6:48
